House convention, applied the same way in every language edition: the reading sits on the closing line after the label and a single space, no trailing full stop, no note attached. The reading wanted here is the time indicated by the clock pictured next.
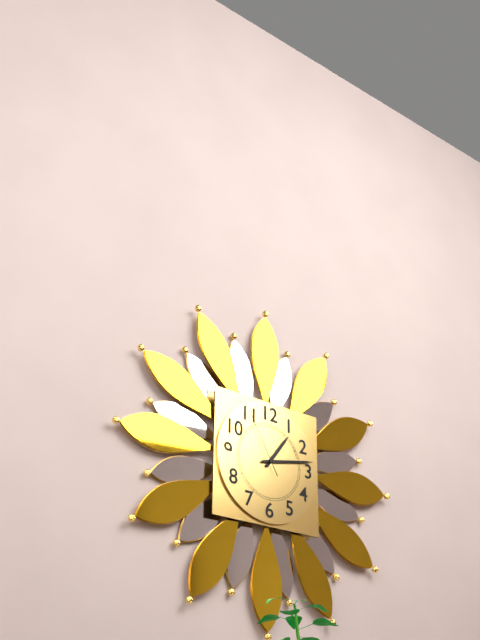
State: 1:13:55
